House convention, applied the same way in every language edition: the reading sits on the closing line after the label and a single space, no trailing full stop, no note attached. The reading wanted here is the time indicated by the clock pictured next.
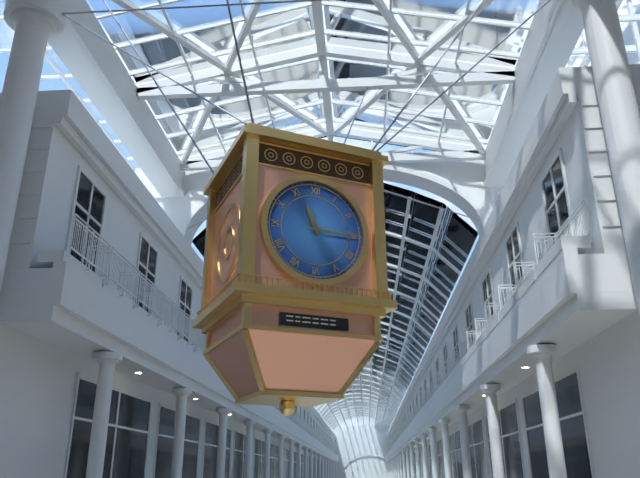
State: 11:15
